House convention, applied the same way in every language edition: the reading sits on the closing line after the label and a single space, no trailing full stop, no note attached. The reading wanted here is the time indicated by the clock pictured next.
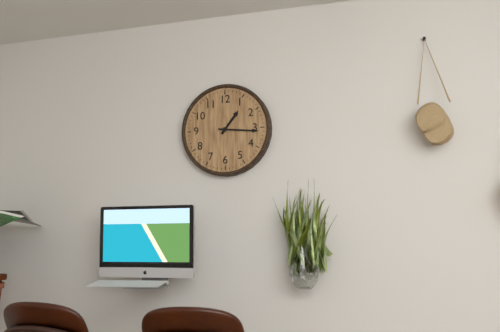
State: 1:16
